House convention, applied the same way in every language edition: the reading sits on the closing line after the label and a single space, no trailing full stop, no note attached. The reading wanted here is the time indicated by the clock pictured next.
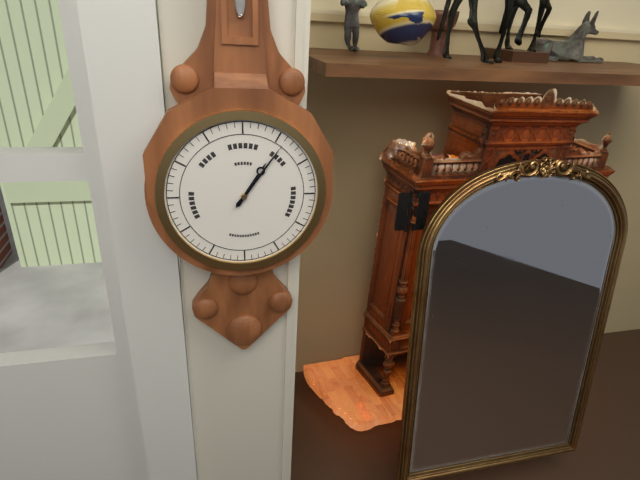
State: 1:06
